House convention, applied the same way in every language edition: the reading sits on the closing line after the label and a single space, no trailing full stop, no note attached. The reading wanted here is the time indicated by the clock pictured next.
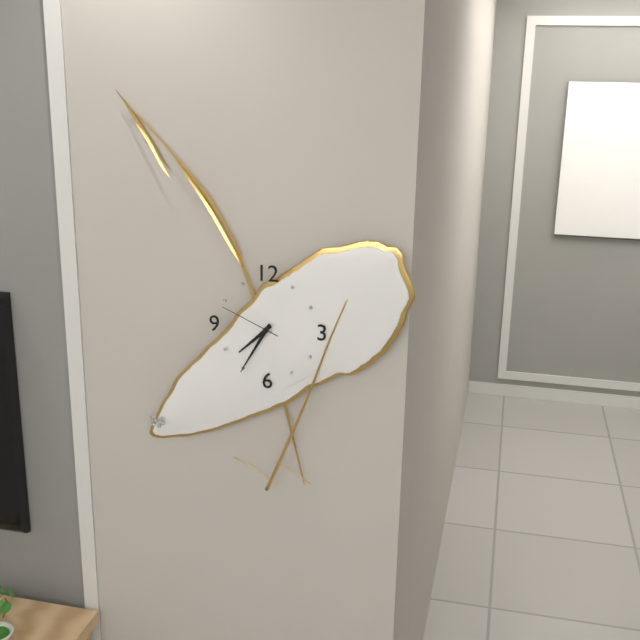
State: 7:35:49
